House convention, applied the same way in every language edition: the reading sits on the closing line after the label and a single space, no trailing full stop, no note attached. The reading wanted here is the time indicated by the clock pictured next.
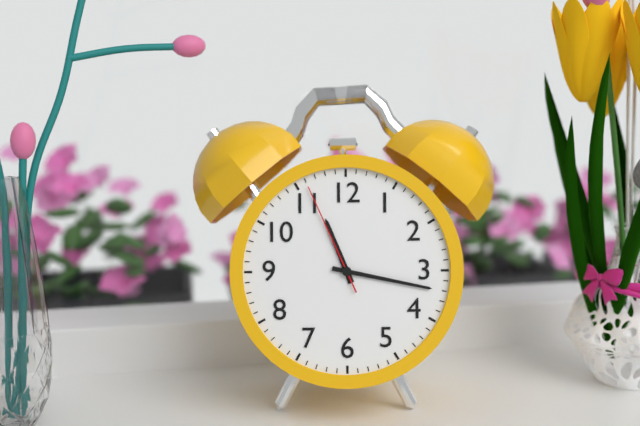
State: 11:17:56
